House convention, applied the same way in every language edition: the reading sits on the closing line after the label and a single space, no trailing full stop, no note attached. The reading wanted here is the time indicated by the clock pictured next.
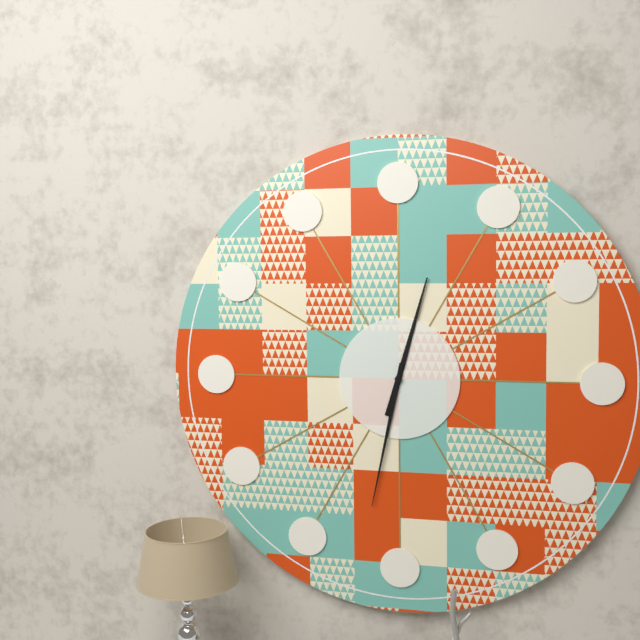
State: 12:32
